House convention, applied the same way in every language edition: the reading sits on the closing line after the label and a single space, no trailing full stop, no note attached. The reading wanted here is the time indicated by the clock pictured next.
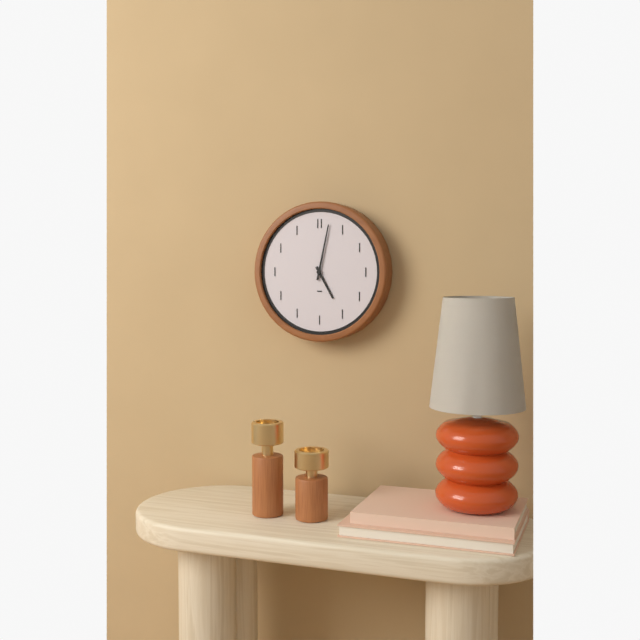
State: 5:02
